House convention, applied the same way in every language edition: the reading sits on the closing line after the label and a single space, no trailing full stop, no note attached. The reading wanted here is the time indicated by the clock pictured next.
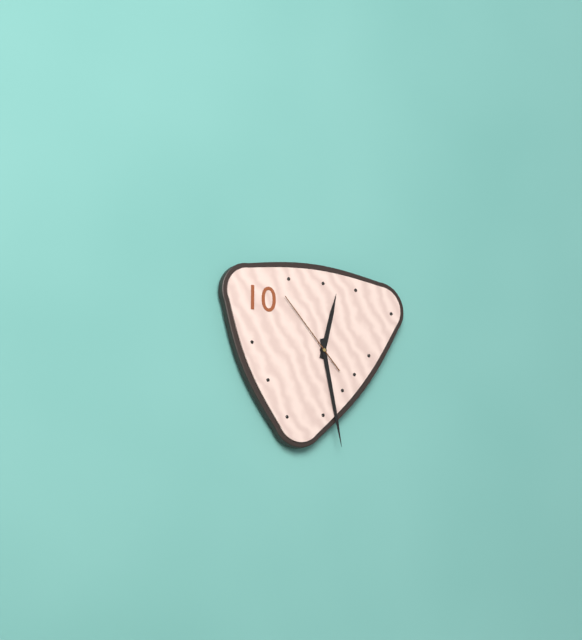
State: 12:28:53
